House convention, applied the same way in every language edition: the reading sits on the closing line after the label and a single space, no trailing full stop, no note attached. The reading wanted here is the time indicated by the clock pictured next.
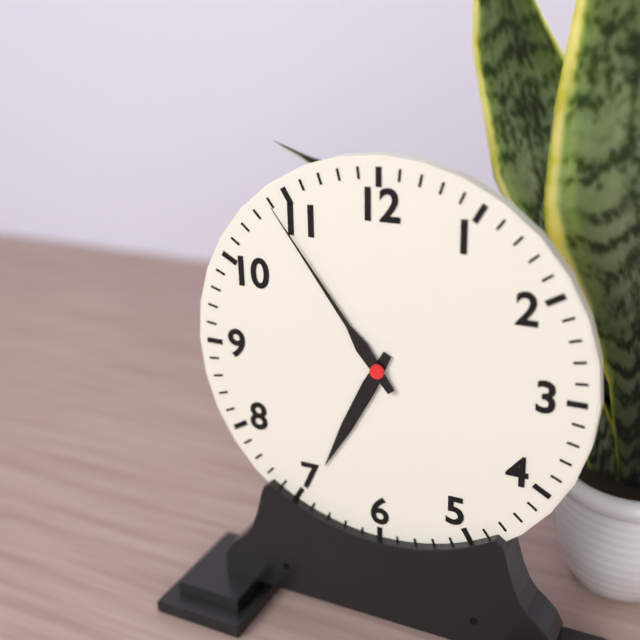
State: 6:54
